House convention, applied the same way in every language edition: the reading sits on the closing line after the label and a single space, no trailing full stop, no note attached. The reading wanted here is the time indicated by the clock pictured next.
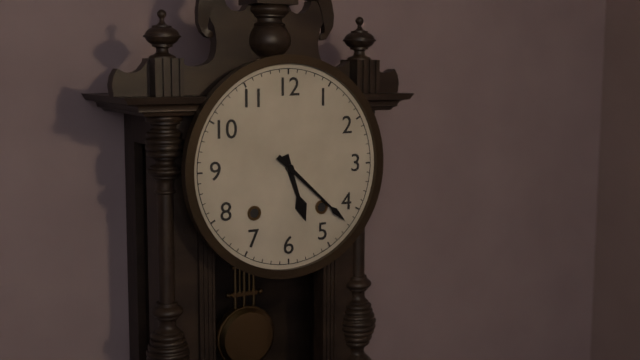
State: 5:22
